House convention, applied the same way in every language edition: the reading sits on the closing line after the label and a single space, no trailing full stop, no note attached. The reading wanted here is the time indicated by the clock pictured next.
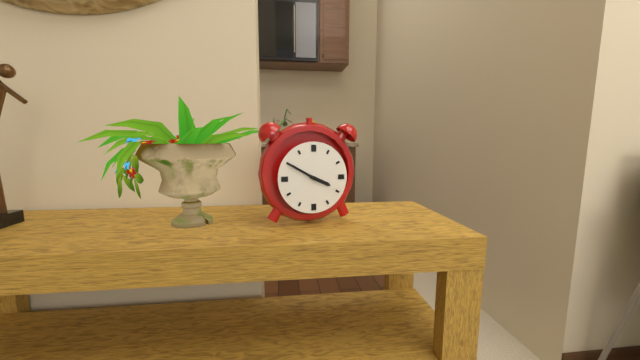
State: 3:50
